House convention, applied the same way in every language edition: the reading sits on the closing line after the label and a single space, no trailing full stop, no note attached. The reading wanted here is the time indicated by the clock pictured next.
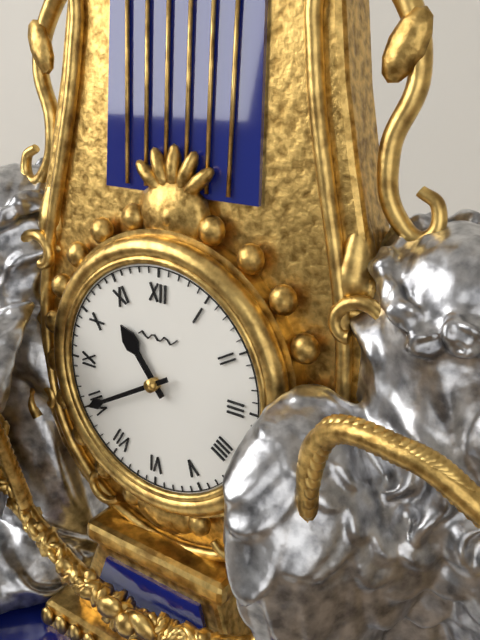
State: 10:40
